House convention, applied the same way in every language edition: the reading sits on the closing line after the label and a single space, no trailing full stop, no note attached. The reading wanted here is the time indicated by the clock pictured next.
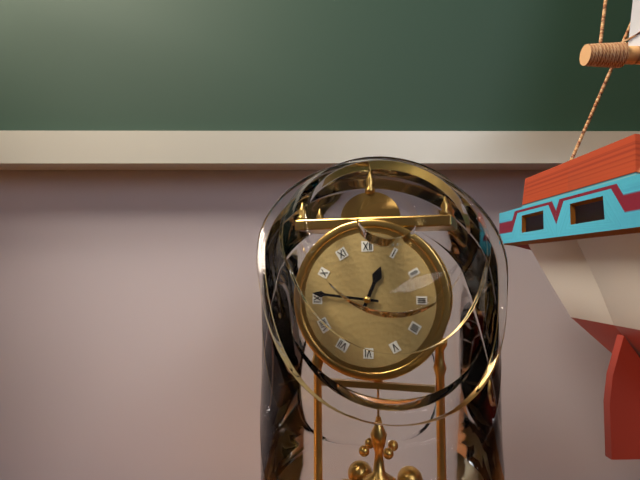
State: 12:46
